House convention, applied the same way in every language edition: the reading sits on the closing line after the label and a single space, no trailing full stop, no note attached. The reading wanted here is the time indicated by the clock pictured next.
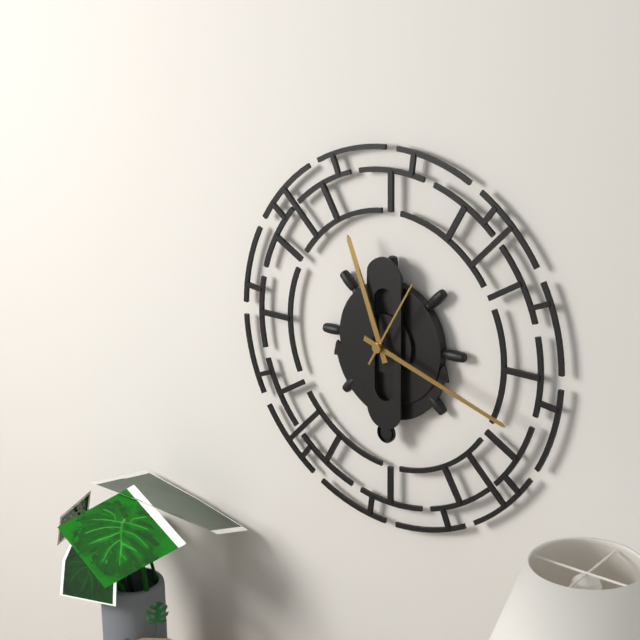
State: 11:18:05
